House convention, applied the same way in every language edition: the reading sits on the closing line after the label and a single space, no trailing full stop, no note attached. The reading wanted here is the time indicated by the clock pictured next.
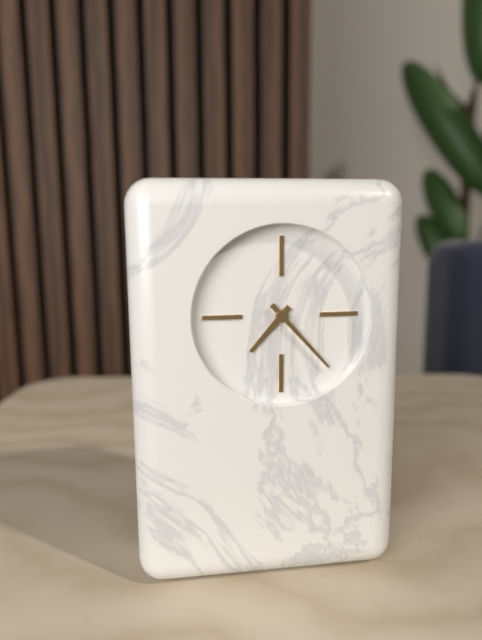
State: 7:23
